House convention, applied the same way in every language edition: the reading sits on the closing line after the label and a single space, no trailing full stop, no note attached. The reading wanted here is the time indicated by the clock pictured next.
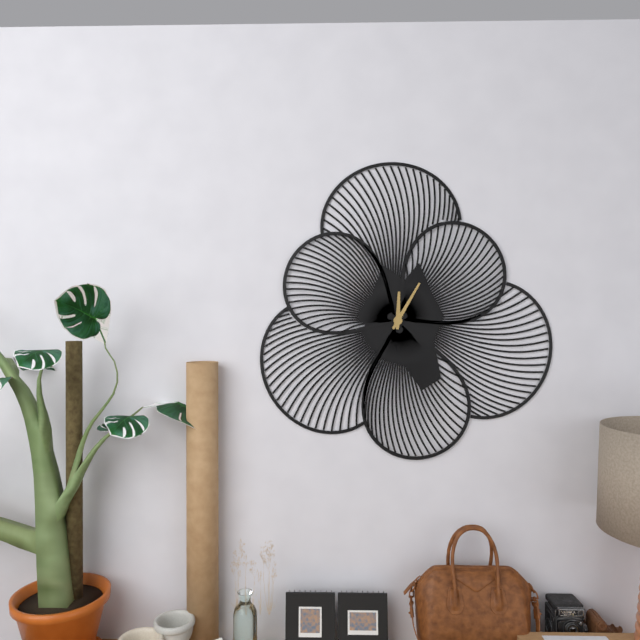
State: 12:05
